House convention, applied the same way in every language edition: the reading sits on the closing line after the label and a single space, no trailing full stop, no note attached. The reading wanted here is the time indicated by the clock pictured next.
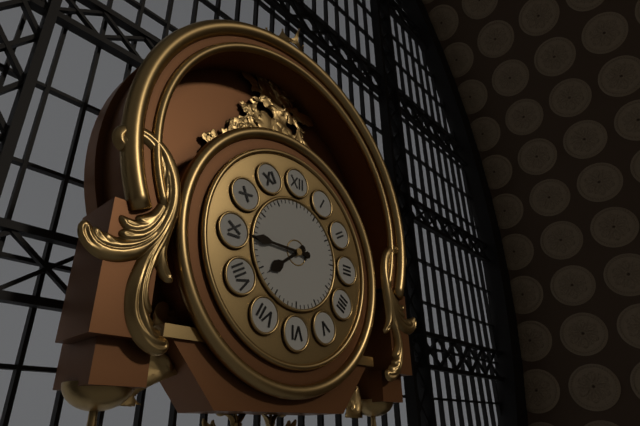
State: 7:45
